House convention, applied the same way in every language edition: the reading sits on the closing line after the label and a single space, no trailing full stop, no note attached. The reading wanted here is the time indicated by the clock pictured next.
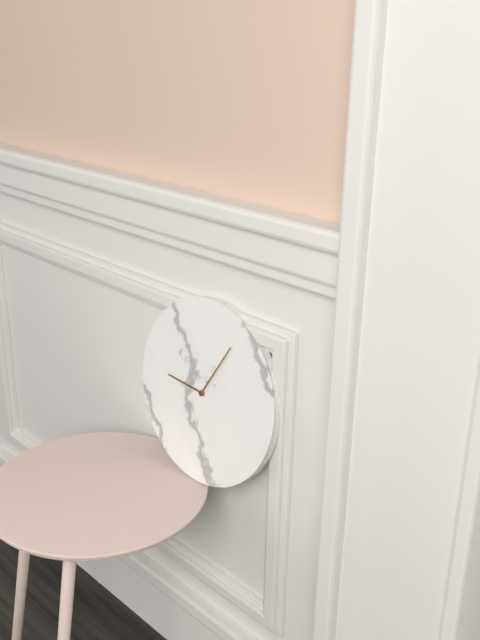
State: 9:05
